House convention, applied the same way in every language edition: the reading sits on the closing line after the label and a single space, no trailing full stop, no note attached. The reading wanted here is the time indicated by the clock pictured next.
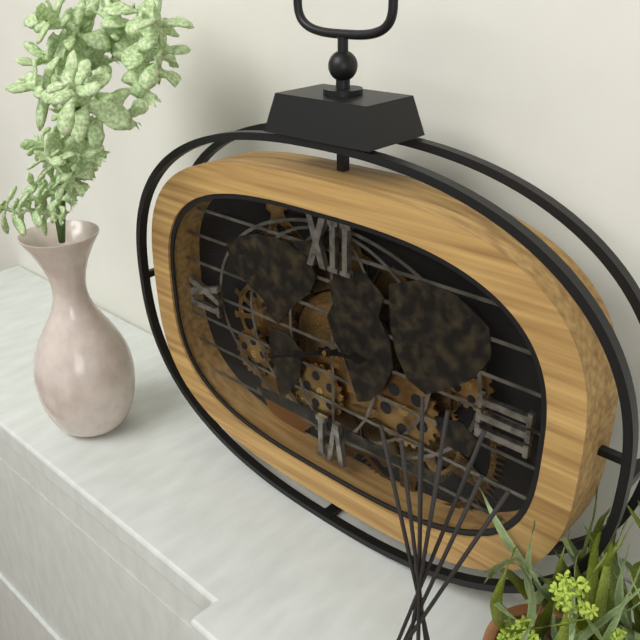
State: 2:41
